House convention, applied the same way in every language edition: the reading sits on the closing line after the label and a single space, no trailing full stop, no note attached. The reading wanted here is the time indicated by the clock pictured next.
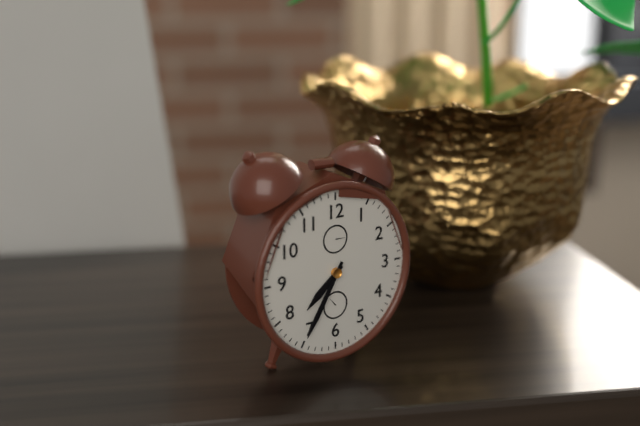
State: 7:35
